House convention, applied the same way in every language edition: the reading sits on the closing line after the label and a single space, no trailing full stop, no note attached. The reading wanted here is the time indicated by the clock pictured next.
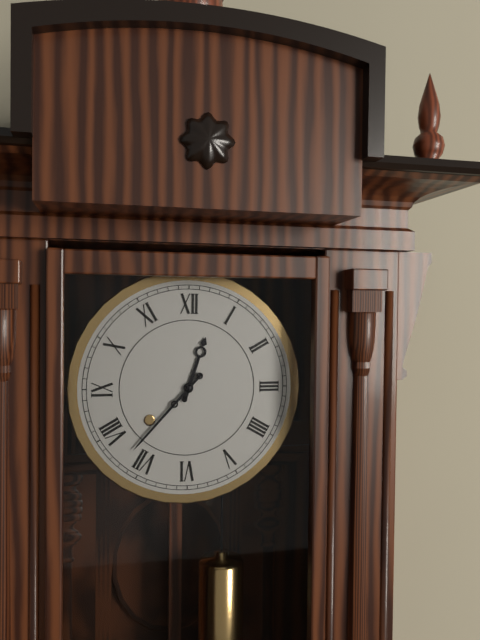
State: 12:37
